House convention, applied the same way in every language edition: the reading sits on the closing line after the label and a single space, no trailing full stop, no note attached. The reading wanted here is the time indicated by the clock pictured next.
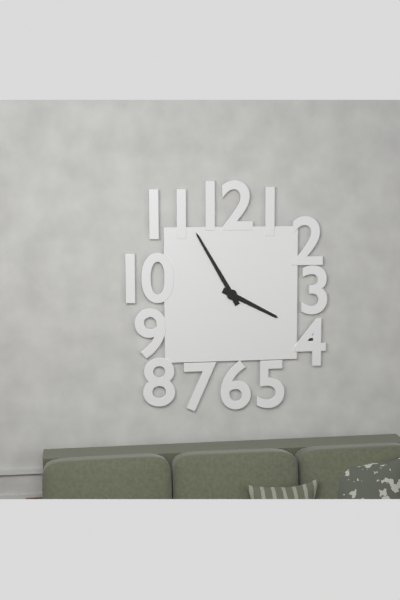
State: 3:55
